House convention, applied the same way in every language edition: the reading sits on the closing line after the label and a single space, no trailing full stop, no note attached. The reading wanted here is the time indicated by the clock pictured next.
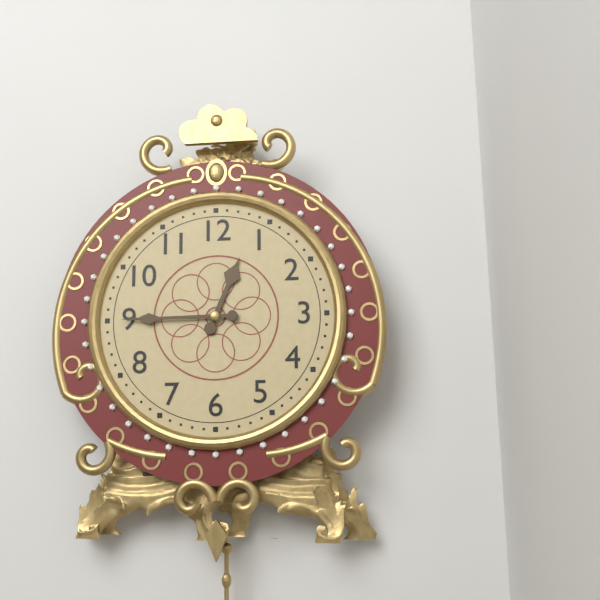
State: 12:45
